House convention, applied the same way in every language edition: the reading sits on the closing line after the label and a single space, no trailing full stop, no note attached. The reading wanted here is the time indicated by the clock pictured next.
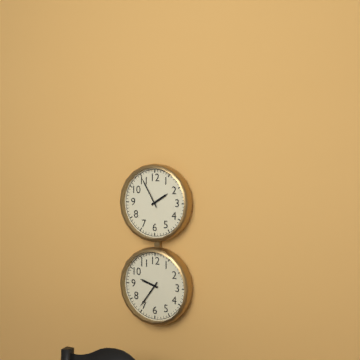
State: 1:55
